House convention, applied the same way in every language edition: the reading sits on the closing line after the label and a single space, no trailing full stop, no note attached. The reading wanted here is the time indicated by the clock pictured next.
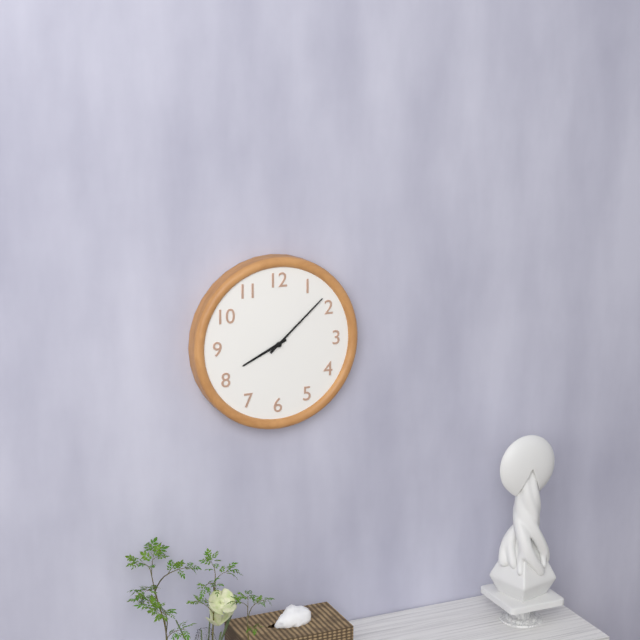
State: 8:08
